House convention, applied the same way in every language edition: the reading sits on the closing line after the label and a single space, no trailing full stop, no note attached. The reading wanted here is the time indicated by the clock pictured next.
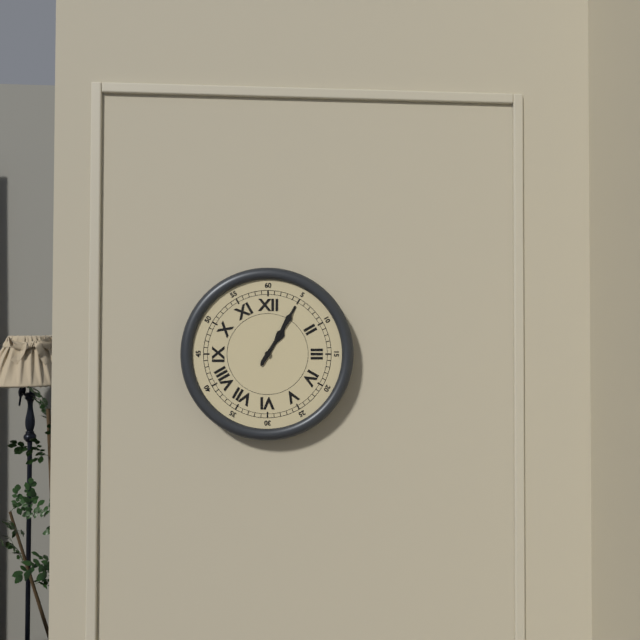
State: 1:05
